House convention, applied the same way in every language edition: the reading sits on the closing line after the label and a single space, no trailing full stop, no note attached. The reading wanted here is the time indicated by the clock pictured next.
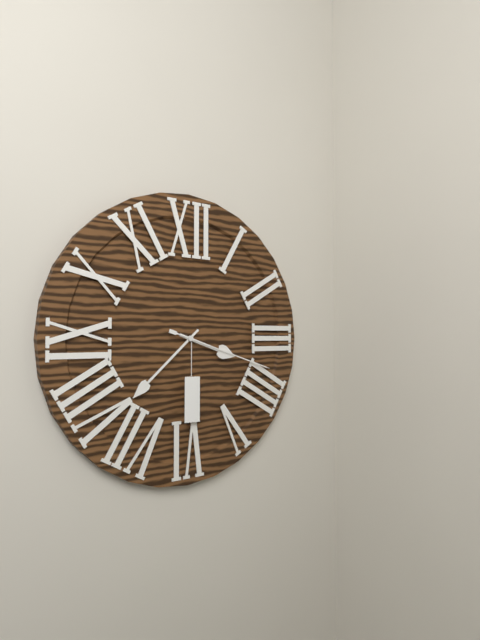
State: 3:38:18
